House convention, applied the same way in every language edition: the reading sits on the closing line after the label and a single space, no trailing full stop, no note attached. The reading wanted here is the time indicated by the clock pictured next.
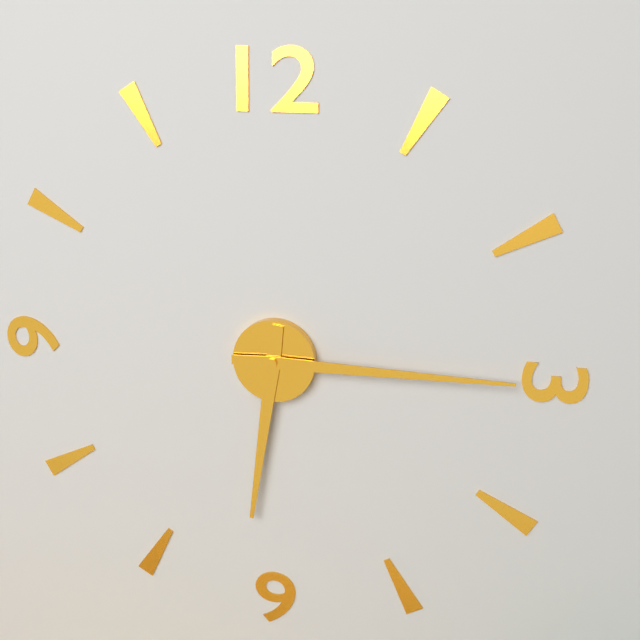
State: 6:15
